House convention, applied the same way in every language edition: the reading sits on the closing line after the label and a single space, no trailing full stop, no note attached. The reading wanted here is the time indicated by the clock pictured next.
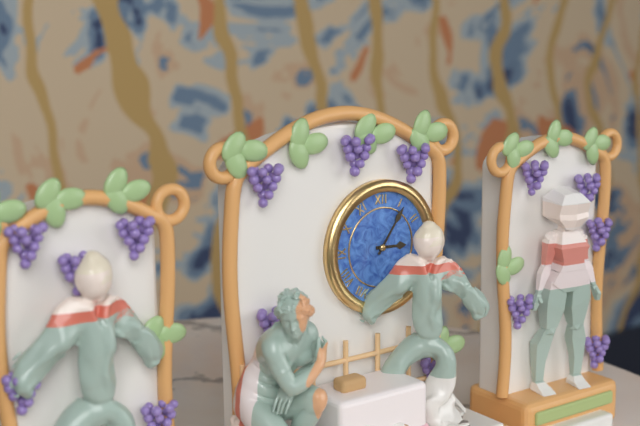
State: 3:06
